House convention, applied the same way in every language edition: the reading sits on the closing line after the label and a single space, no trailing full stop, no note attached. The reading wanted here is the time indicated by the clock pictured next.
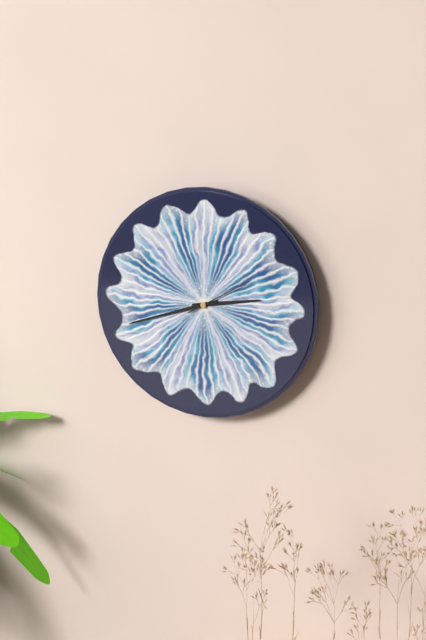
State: 2:42:10
